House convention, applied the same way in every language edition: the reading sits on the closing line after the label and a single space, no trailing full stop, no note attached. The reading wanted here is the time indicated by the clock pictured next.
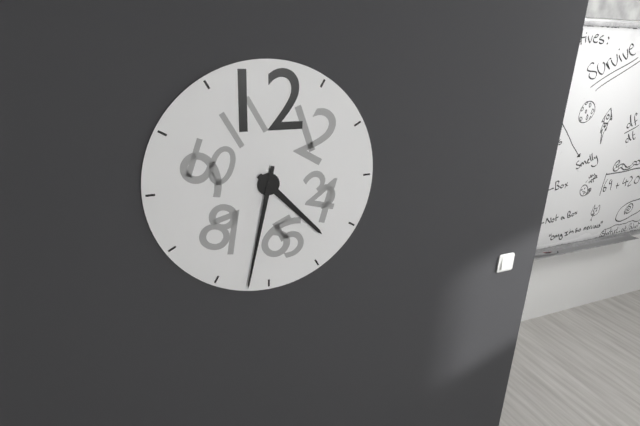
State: 4:32
